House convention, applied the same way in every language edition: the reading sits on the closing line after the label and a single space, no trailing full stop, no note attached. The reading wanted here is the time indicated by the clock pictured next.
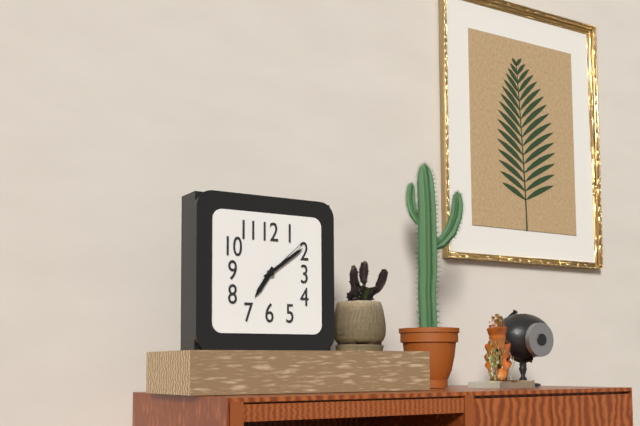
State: 7:09:08
